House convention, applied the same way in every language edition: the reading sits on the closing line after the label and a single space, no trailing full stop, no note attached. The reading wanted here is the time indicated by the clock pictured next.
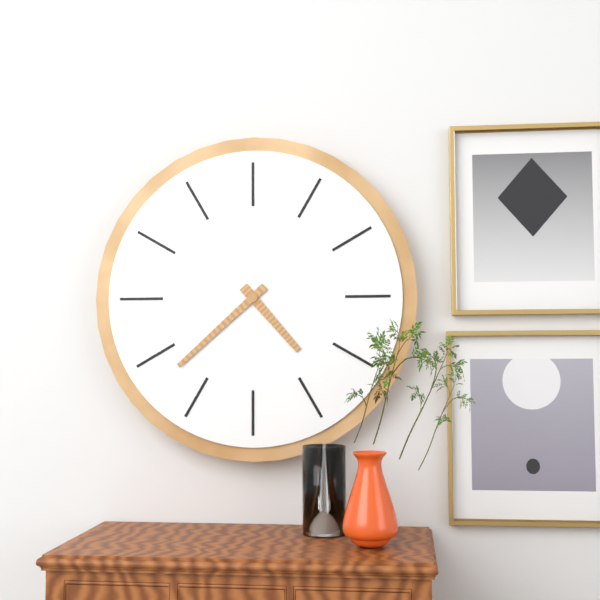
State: 4:38
